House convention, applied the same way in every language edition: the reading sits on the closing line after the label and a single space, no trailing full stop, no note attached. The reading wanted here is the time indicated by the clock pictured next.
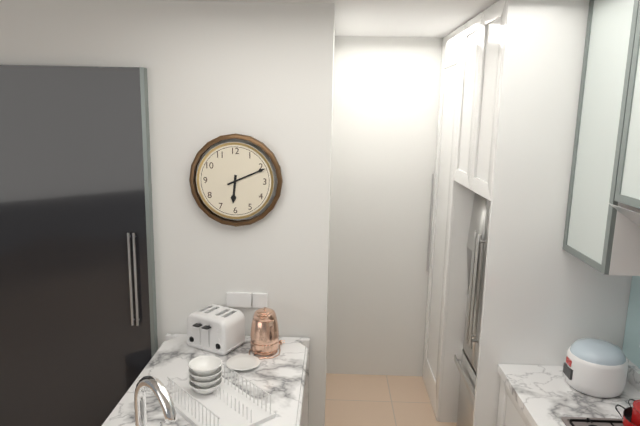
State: 6:11
